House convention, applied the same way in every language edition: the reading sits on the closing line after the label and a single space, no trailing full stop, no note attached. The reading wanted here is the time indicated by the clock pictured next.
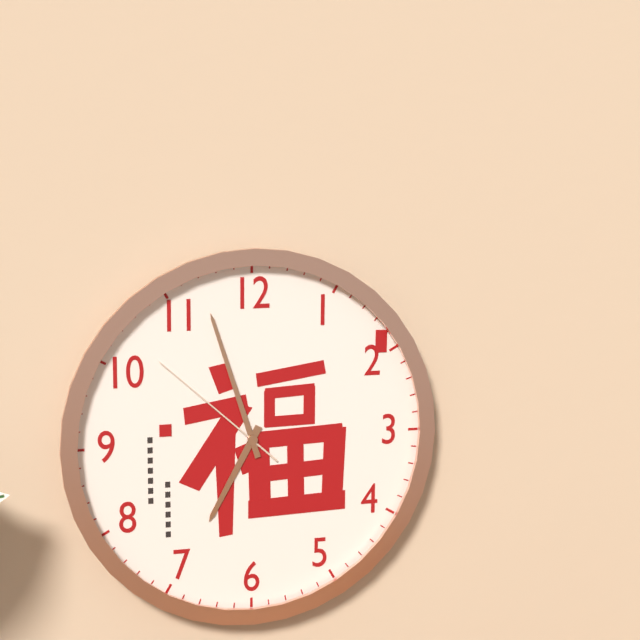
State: 6:57:52
